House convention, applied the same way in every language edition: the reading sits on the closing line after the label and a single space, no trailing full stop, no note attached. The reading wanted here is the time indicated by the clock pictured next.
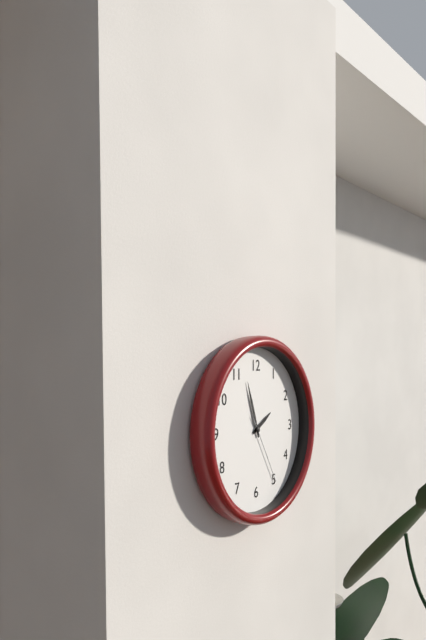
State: 1:57:25
